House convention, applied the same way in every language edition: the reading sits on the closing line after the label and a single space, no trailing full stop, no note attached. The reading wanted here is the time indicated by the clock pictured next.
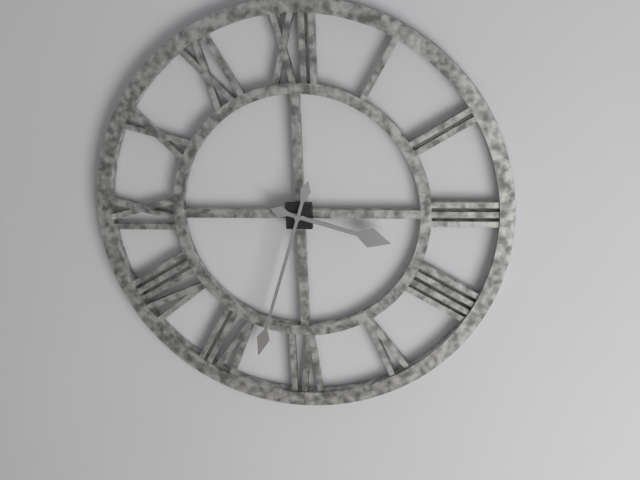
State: 3:33
